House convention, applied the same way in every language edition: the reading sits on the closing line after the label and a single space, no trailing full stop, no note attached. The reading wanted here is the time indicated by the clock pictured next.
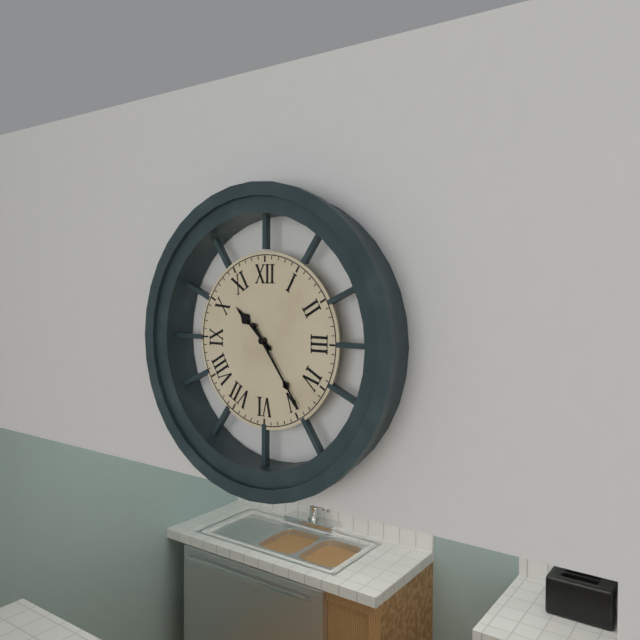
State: 10:24
